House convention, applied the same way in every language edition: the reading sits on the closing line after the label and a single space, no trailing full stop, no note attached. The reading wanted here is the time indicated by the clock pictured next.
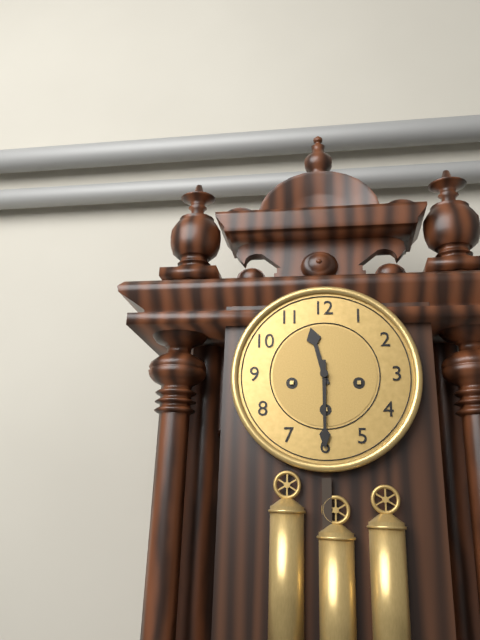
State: 11:30
